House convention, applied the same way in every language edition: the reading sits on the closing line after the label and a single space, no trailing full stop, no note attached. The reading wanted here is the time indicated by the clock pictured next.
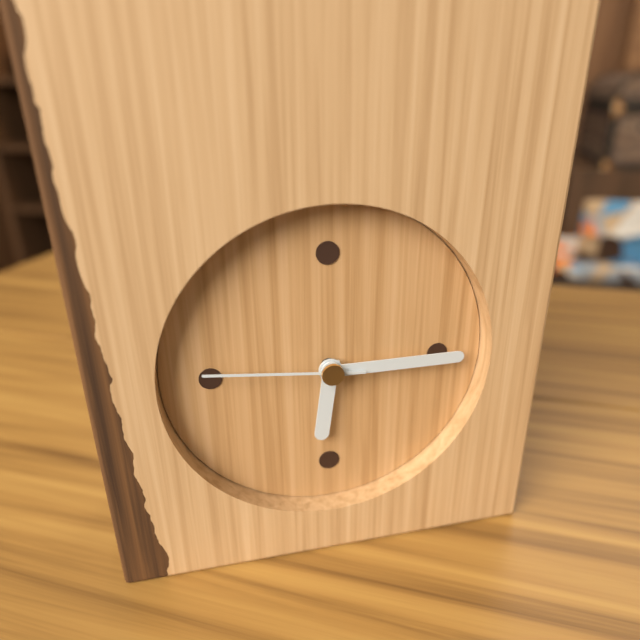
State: 6:15:46
